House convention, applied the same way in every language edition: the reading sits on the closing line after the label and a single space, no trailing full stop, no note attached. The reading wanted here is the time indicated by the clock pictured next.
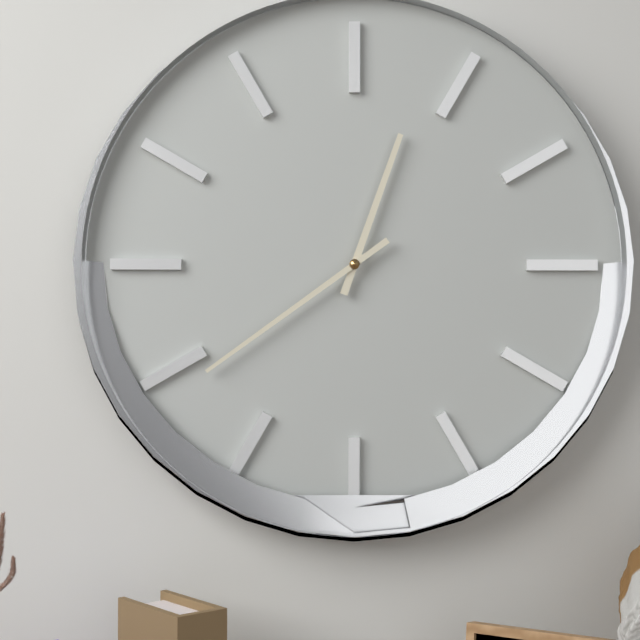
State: 12:39
